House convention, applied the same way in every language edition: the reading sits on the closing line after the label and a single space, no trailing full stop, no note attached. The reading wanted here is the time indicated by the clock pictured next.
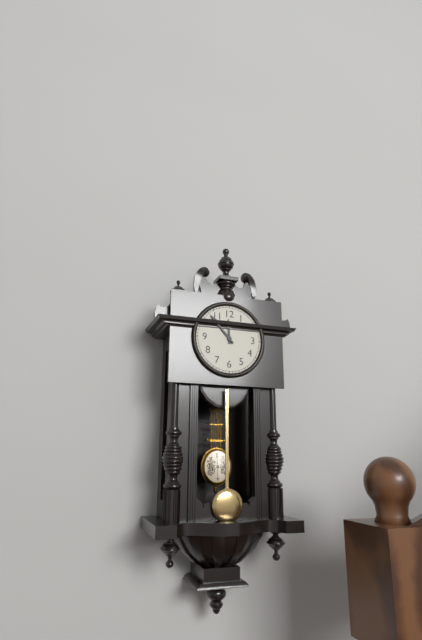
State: 11:53
